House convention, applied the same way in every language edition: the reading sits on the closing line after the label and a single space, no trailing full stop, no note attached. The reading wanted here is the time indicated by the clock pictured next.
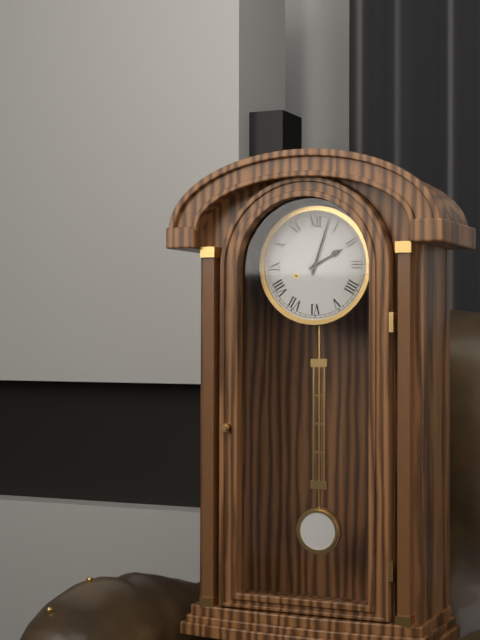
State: 2:03
